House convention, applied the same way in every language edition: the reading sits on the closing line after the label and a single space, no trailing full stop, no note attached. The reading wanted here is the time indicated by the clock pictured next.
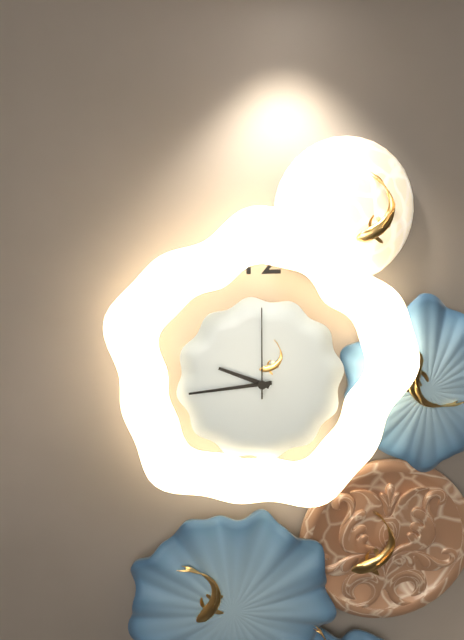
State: 9:44:00
